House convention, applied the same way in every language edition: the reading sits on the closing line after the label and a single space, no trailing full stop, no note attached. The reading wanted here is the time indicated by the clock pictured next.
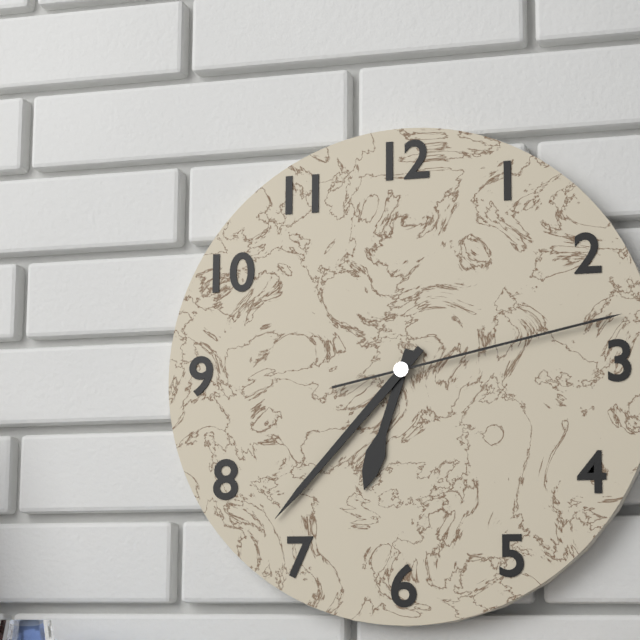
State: 6:37:13
